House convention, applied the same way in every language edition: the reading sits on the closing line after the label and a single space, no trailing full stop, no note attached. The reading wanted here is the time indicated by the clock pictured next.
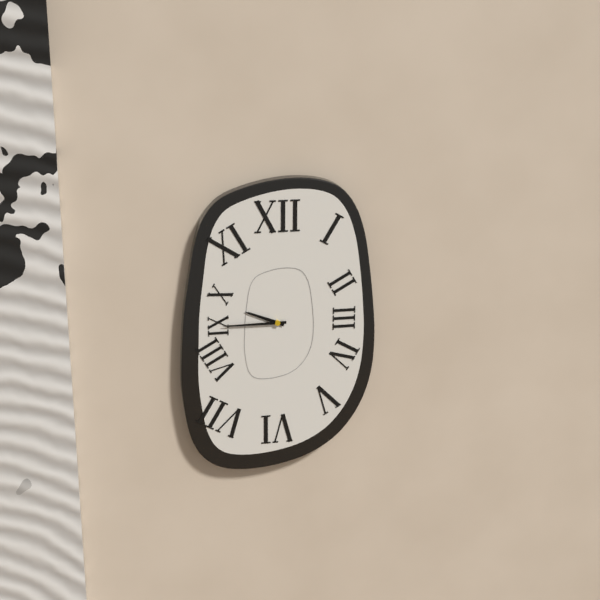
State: 9:45
